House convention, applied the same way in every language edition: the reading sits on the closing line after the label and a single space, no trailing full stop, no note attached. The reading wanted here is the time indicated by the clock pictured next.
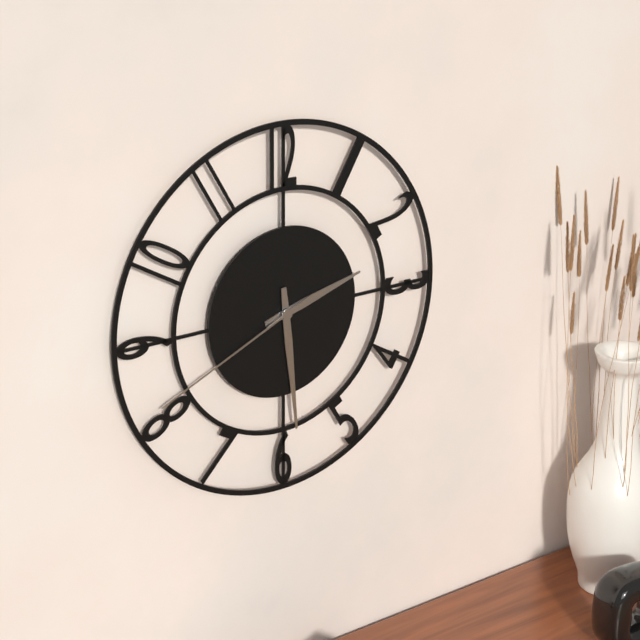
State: 2:29:41
